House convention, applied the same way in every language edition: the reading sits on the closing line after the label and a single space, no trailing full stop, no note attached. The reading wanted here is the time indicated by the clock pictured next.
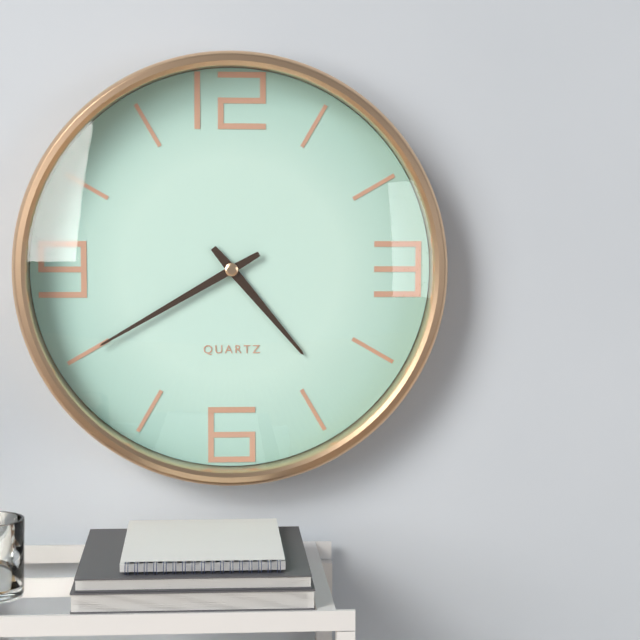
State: 4:40
